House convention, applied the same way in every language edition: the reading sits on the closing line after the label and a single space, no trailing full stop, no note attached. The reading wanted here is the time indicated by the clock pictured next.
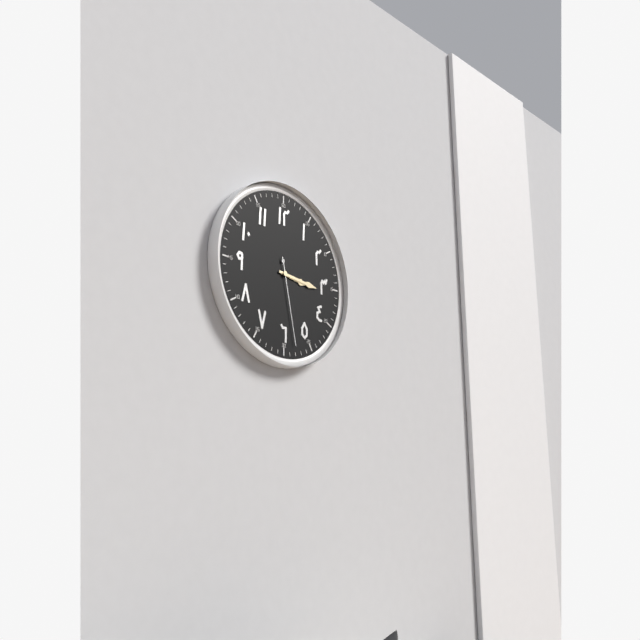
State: 3:16:28
